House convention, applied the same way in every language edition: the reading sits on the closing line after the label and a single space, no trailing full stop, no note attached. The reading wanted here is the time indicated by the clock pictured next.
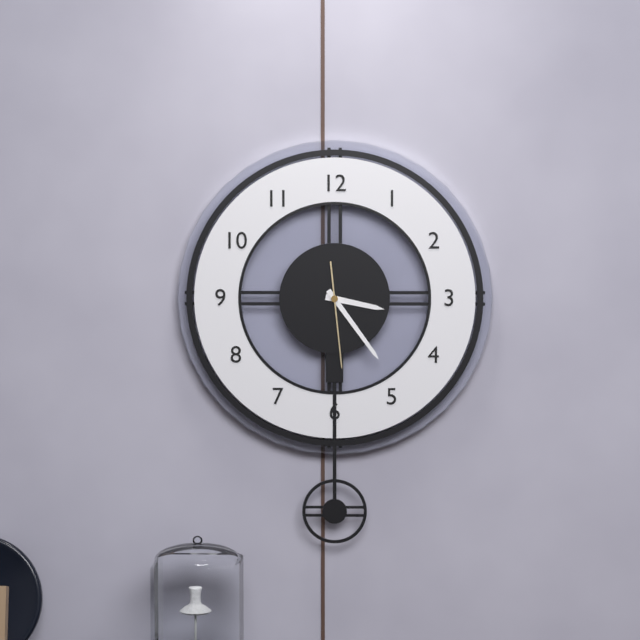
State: 3:24:29
